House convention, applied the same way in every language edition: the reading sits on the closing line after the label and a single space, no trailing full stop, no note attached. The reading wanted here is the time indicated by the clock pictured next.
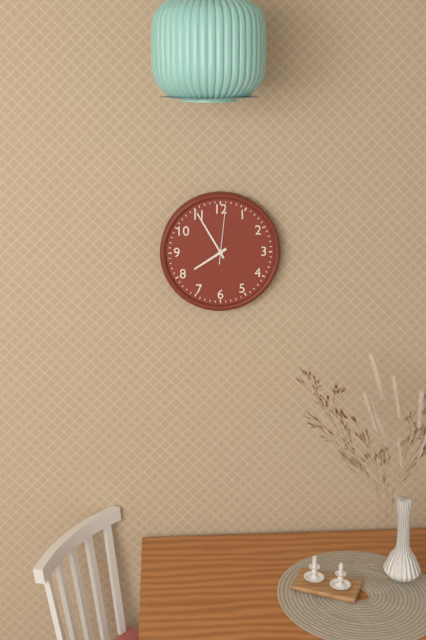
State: 7:55:01
